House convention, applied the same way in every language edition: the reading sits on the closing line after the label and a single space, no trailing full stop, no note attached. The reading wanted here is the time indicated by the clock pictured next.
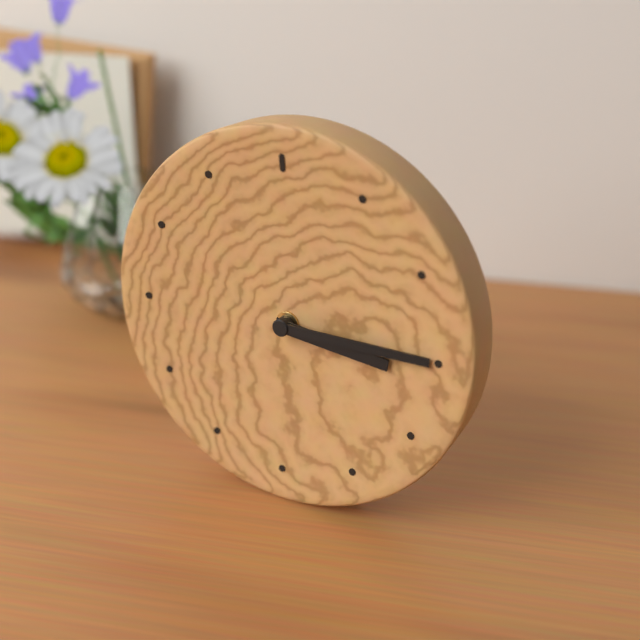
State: 3:15
